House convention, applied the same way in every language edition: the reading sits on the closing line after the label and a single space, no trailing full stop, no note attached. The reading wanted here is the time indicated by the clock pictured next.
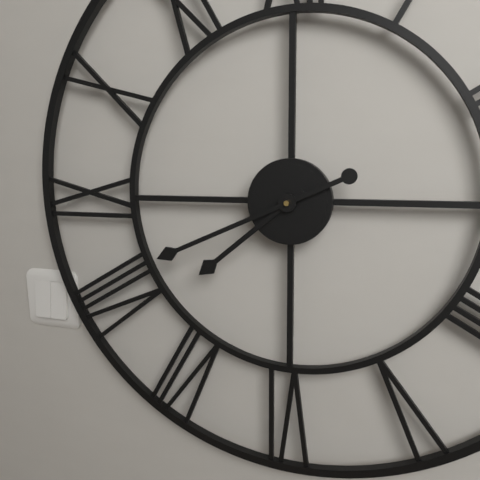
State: 7:41
